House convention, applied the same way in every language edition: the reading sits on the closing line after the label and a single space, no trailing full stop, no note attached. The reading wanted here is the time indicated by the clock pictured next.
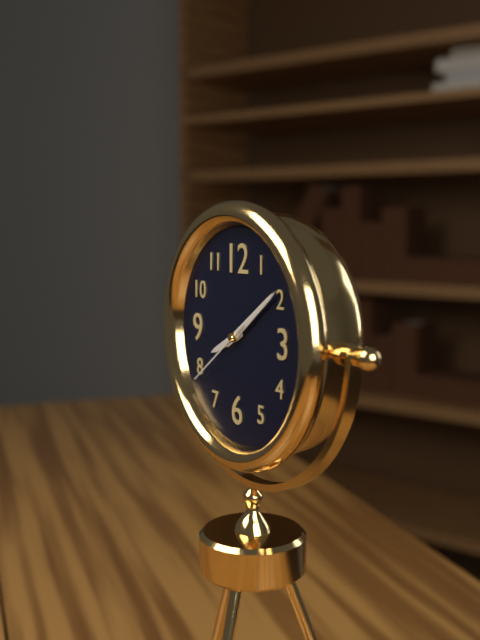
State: 8:09:39
